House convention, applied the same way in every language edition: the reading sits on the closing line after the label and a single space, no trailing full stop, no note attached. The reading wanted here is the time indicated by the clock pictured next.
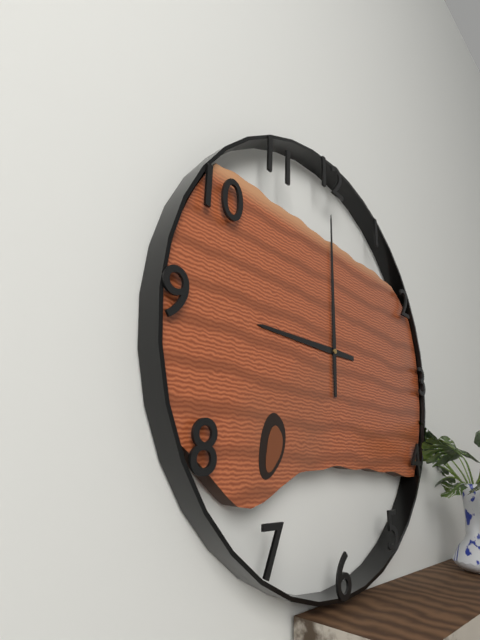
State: 9:00
